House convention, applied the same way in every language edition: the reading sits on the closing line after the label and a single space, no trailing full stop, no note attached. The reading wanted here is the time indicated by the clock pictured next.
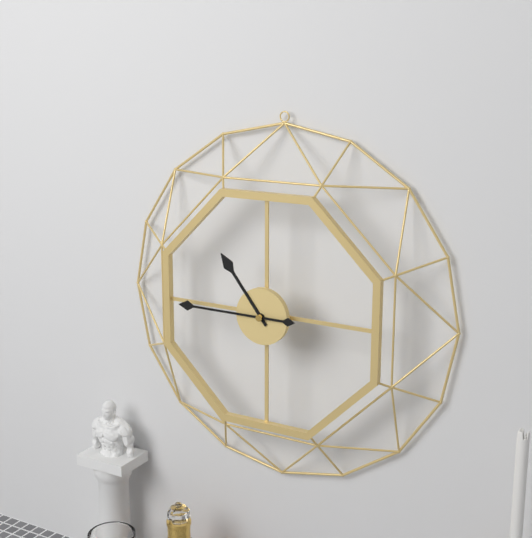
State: 10:45
